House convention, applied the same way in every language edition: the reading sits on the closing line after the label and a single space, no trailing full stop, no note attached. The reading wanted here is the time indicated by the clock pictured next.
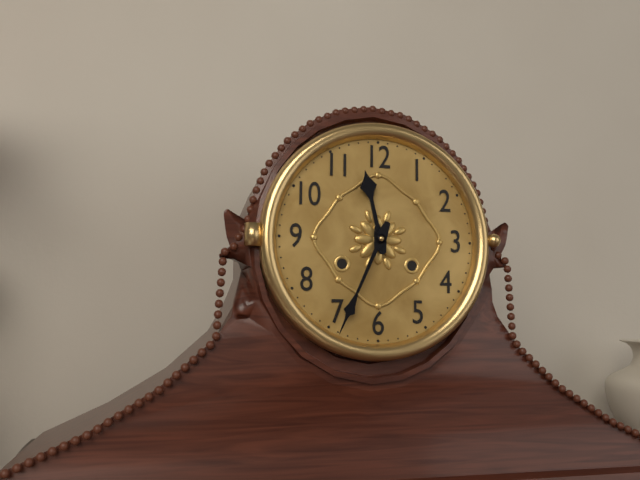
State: 11:34
